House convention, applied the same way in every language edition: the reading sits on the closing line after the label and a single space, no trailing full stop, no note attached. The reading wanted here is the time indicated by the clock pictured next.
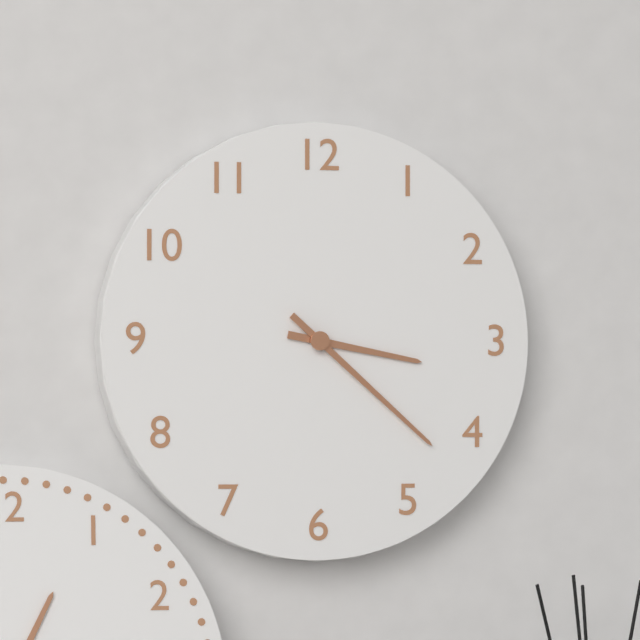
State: 3:22
